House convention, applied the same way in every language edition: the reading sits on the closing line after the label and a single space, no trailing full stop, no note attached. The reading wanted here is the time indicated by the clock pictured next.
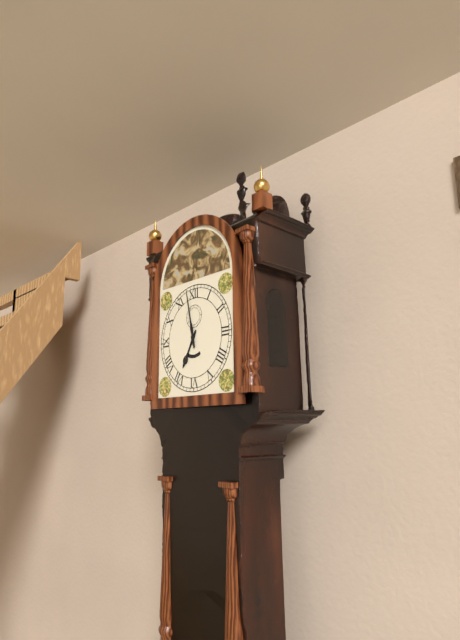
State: 6:58
